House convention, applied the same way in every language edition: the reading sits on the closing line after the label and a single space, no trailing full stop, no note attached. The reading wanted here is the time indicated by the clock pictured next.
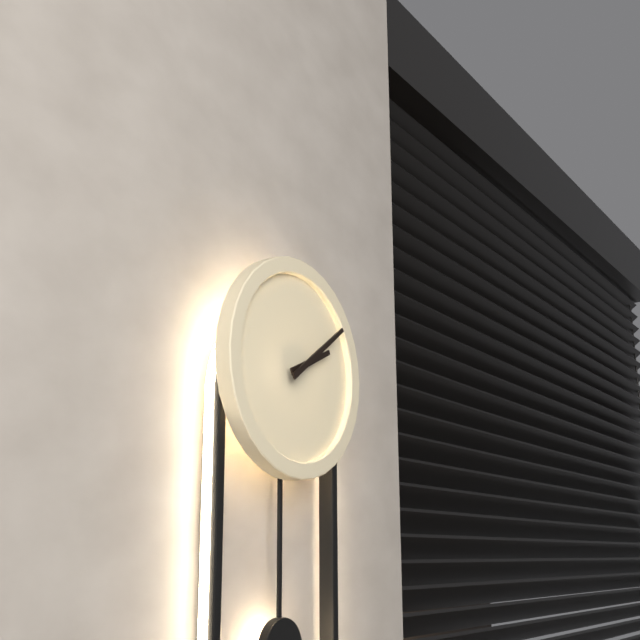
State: 2:09
